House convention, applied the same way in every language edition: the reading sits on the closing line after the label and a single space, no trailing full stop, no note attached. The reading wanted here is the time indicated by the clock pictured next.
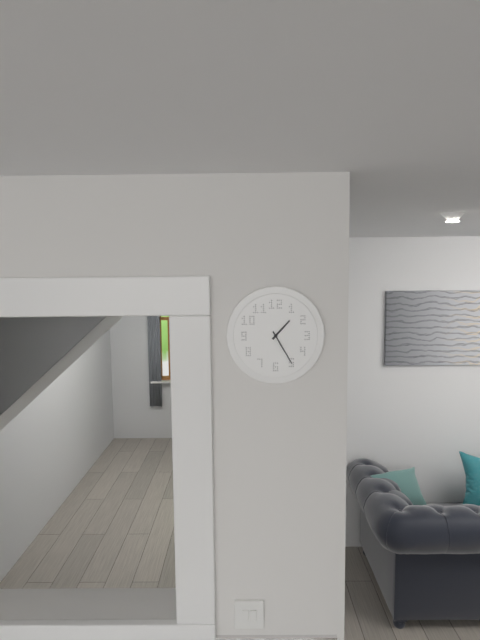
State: 1:25
